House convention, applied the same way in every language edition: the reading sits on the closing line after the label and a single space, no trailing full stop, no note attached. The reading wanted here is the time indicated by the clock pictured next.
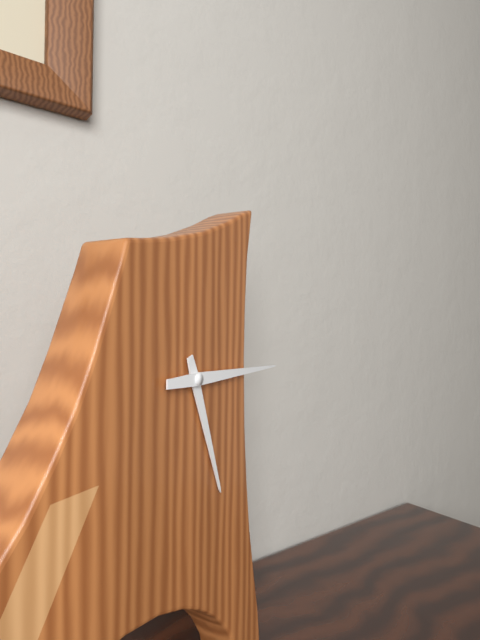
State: 5:15
